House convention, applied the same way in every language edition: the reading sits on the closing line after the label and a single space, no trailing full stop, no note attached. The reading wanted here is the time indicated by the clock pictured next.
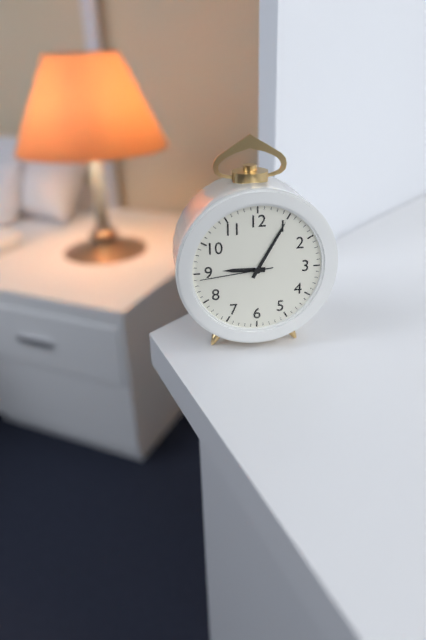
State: 9:05:44
